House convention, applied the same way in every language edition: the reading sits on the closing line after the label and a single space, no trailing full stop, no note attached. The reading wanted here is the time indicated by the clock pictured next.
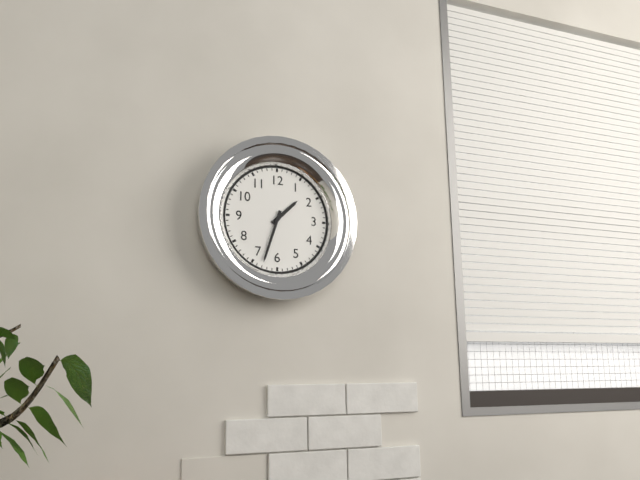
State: 1:33
